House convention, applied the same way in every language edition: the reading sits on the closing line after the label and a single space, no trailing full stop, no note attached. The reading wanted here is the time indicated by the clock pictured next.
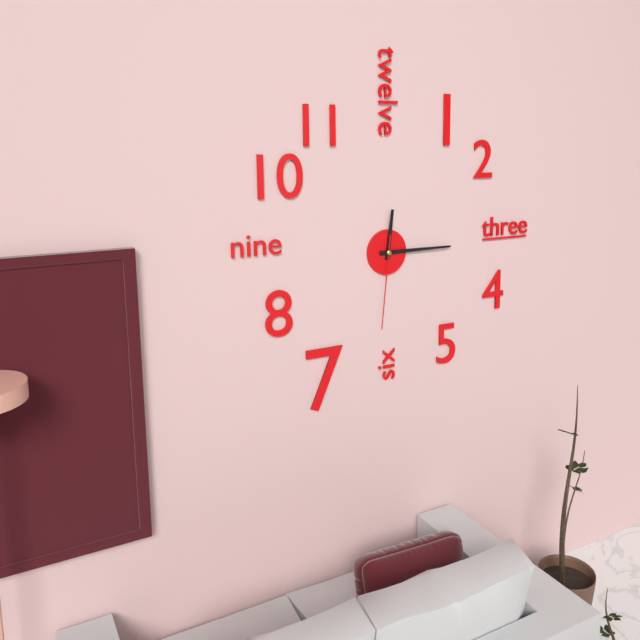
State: 12:15:31
